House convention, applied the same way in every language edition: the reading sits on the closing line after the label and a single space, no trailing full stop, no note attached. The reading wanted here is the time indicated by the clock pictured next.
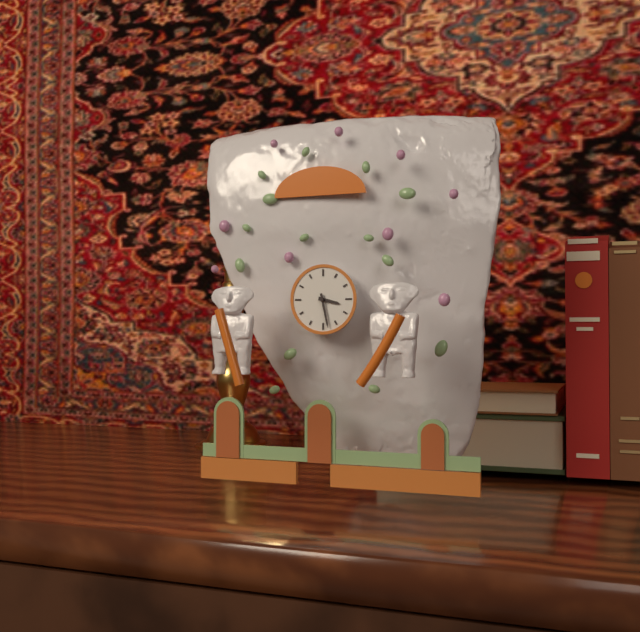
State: 3:28
